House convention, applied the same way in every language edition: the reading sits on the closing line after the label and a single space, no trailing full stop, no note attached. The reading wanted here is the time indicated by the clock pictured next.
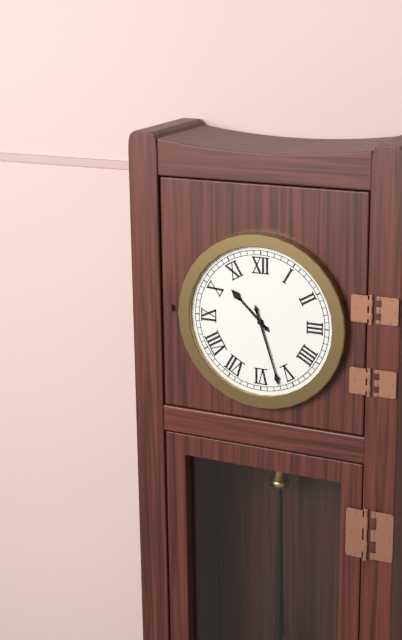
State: 10:27
